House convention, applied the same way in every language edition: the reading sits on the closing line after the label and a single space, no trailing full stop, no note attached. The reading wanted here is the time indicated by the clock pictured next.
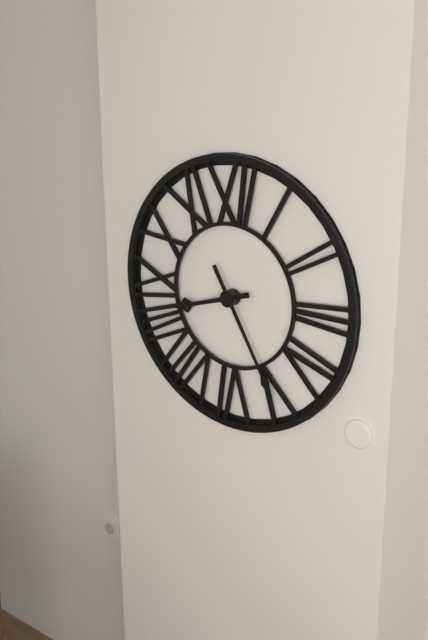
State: 8:25
